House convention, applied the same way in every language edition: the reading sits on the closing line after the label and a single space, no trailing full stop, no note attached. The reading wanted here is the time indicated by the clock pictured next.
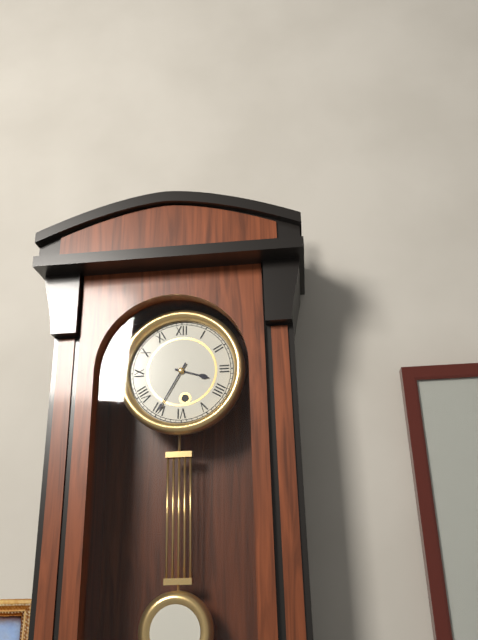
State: 3:35
